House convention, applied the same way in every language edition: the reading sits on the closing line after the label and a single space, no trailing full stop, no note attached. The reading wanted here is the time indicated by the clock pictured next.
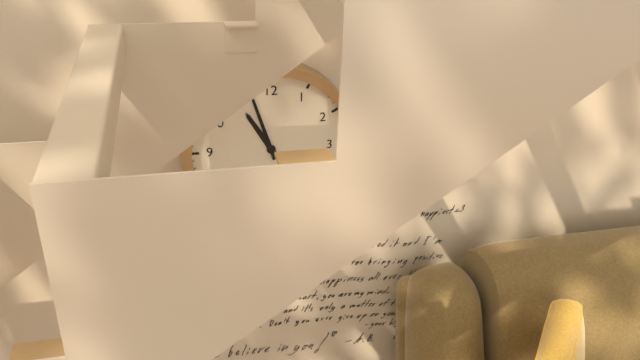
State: 10:57
